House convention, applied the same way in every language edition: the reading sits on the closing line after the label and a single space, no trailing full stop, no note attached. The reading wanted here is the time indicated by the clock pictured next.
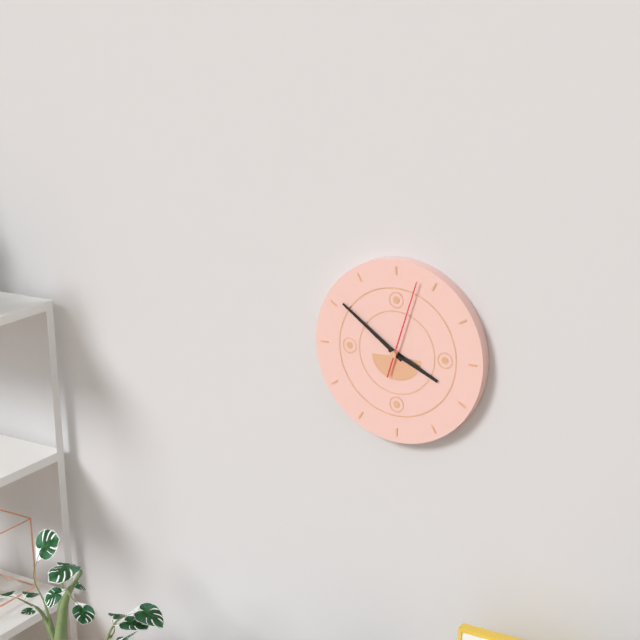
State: 3:51:03
